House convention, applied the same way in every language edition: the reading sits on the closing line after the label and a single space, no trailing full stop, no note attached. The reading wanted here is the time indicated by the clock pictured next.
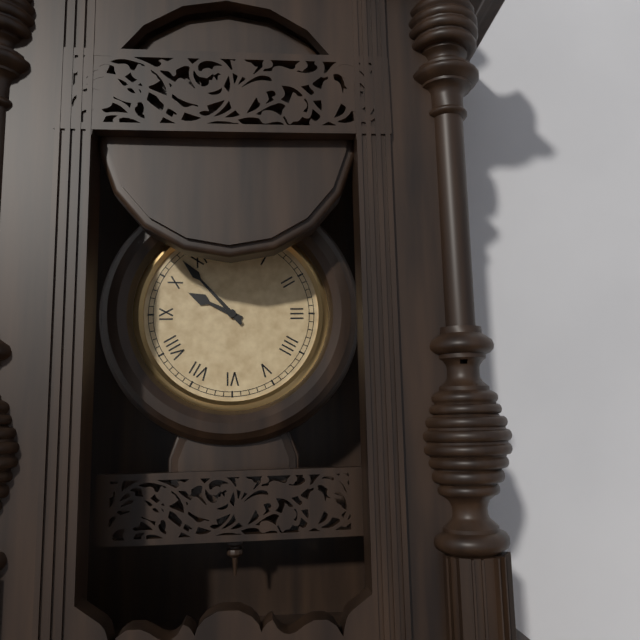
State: 9:53
